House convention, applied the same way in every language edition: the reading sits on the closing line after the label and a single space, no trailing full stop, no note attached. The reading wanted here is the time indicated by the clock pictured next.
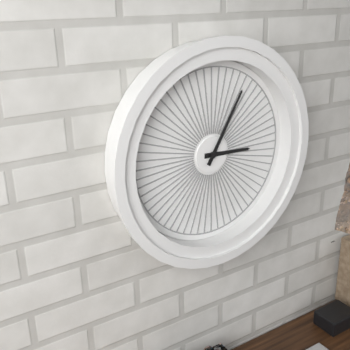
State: 3:05
